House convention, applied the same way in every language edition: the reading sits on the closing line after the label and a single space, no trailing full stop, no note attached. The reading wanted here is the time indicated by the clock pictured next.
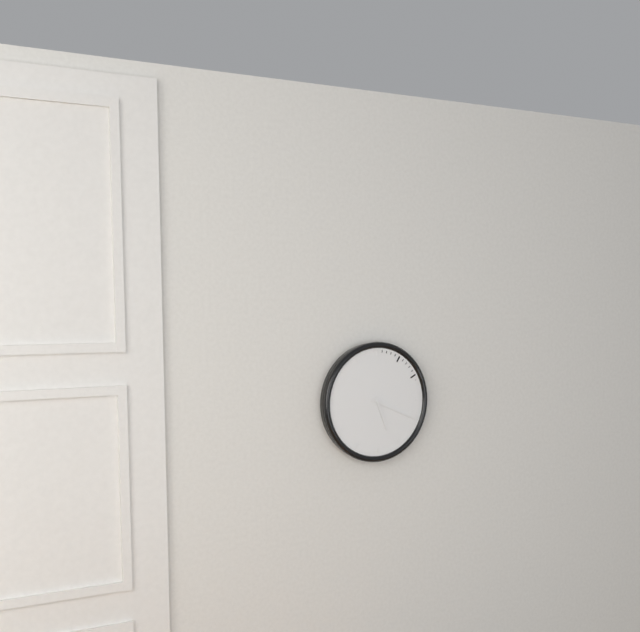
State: 5:19
